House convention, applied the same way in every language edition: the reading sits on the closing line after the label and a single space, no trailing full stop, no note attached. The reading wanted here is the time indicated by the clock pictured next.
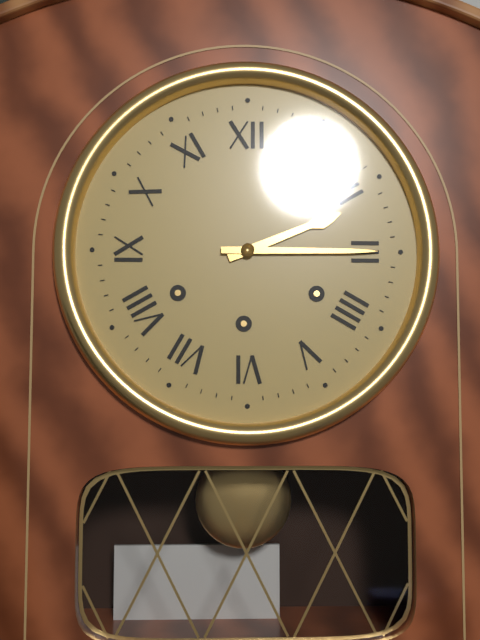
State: 2:15
